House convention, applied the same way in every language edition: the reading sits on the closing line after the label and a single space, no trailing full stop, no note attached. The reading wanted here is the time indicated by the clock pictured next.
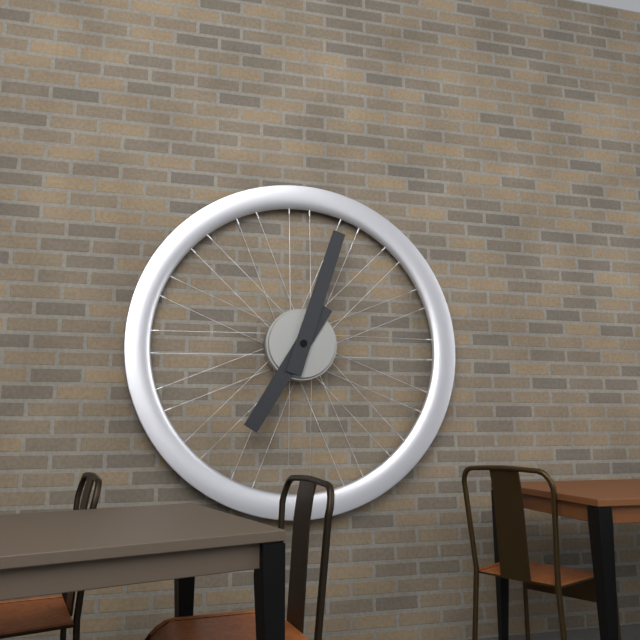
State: 7:03
